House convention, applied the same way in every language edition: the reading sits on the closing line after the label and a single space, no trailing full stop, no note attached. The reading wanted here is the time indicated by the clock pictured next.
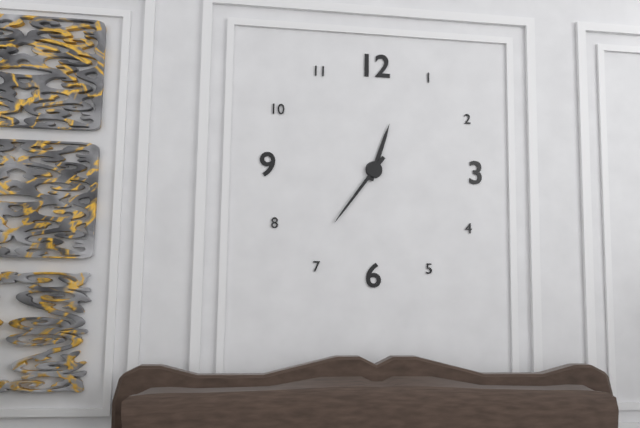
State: 12:36
